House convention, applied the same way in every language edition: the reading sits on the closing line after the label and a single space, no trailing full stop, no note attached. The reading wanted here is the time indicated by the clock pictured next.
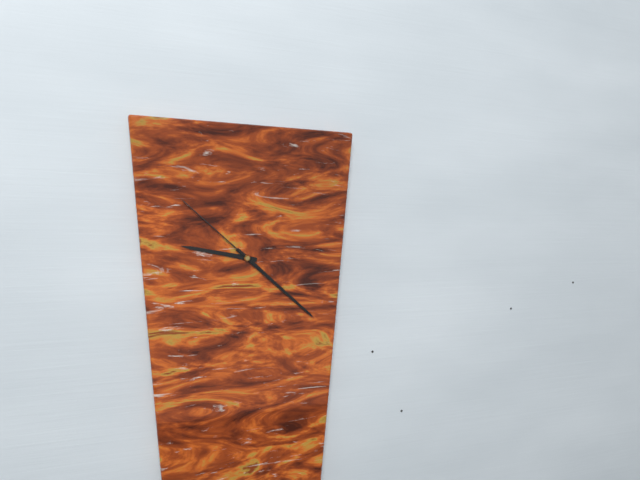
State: 9:22:52
